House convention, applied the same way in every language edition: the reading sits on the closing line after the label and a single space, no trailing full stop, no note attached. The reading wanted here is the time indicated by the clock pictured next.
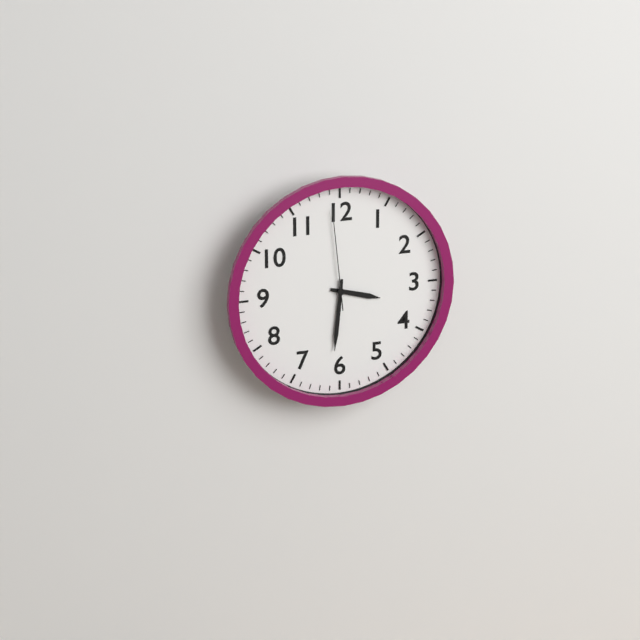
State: 3:31:59
